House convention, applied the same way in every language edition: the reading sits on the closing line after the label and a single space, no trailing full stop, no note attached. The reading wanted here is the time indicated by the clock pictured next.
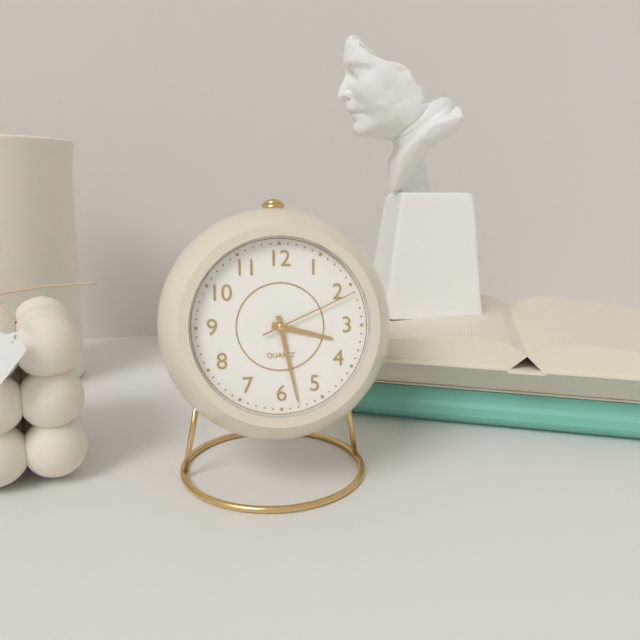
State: 3:28:11
